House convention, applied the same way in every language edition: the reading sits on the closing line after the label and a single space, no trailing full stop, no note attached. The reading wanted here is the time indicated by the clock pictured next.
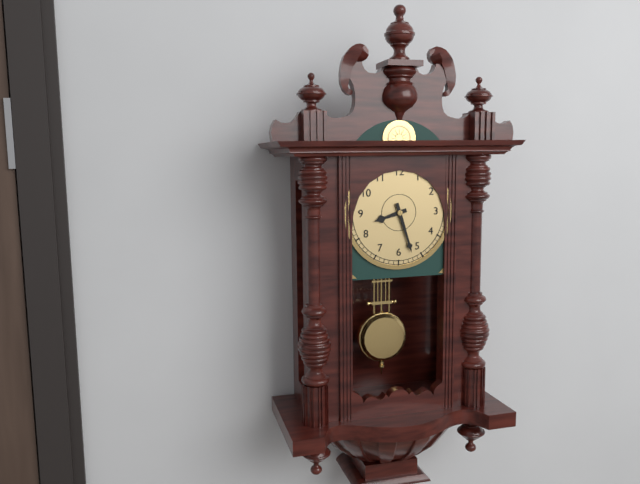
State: 8:27
